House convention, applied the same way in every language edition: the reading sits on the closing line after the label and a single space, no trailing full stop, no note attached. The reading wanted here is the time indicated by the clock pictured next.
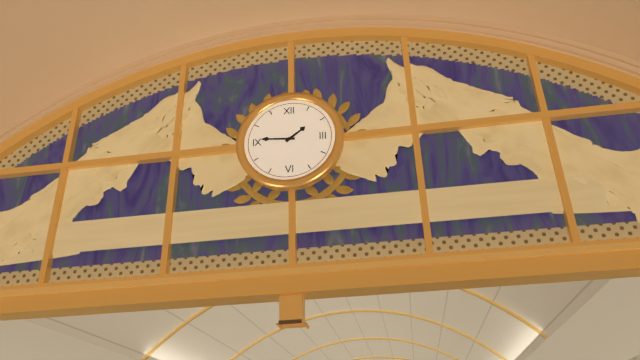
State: 1:46
